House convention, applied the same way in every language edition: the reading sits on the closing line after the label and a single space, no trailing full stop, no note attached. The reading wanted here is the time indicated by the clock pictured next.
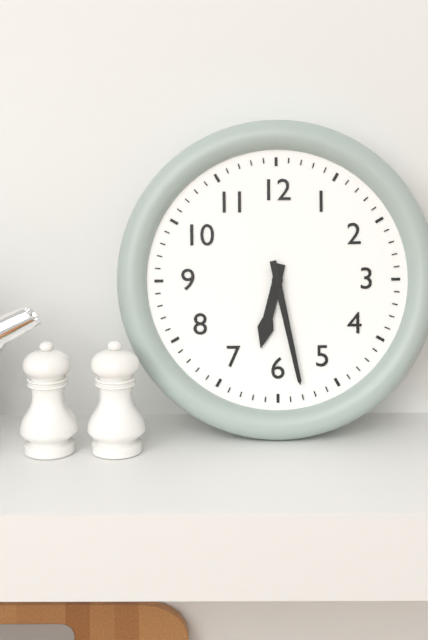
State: 6:28
